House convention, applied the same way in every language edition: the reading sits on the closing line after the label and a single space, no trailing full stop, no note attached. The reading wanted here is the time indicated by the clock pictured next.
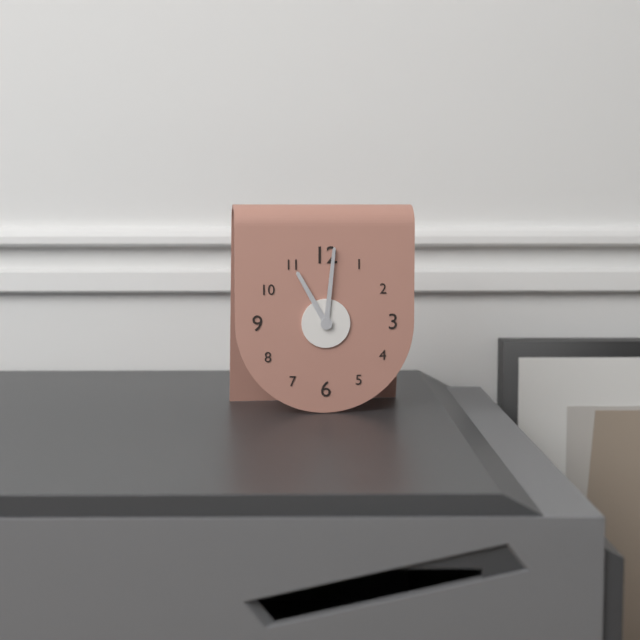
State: 11:01
